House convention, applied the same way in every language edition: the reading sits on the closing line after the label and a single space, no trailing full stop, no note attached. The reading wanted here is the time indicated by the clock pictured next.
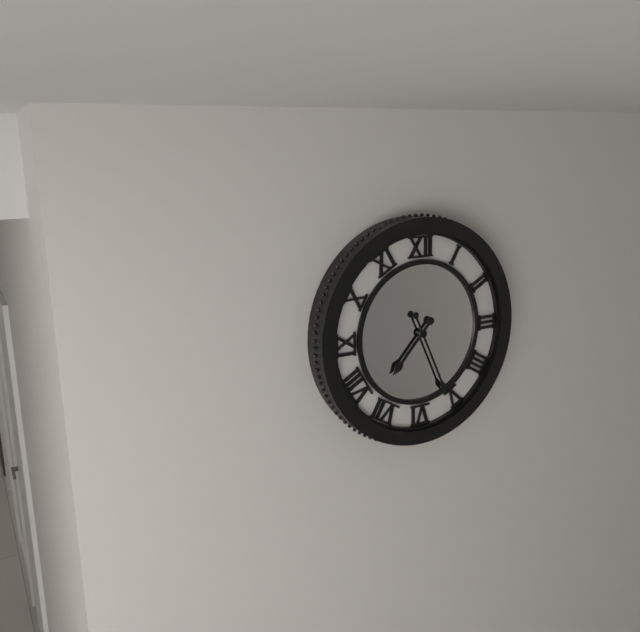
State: 7:26
